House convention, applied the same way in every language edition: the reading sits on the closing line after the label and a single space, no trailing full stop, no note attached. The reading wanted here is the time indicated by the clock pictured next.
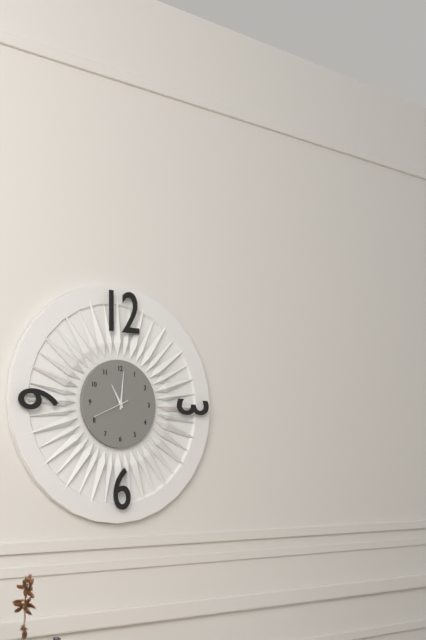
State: 11:01
